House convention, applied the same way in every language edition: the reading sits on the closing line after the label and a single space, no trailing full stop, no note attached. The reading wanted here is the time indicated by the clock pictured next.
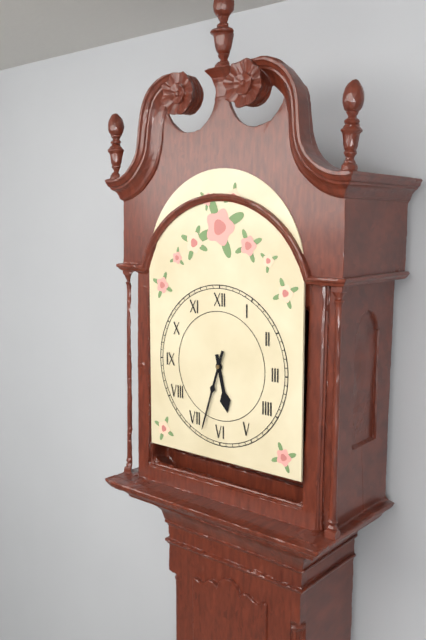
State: 5:33
